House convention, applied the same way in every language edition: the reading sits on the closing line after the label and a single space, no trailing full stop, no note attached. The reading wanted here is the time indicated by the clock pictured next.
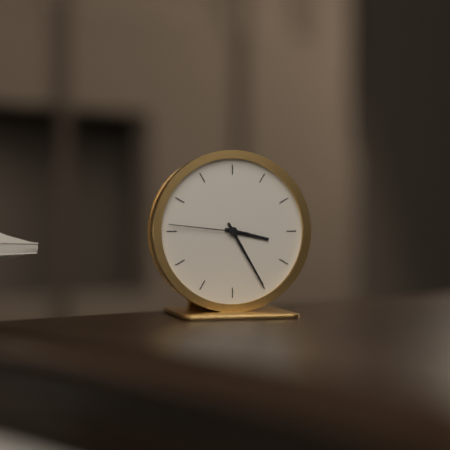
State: 3:25:46
